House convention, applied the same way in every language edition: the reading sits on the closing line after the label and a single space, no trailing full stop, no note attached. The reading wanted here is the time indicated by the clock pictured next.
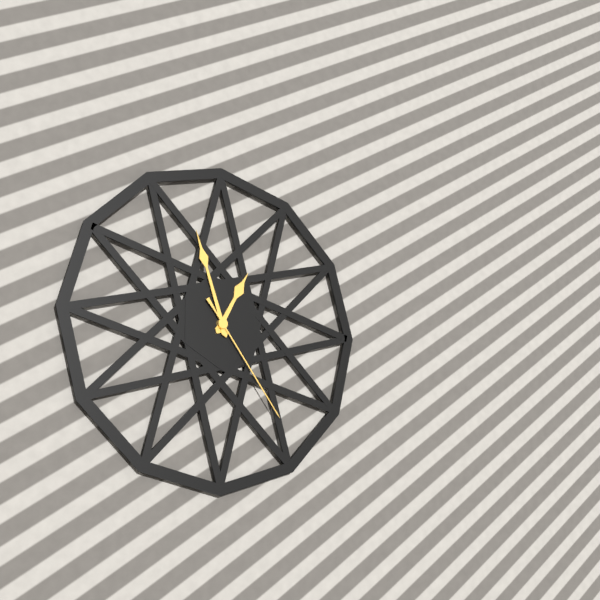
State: 12:57:24
